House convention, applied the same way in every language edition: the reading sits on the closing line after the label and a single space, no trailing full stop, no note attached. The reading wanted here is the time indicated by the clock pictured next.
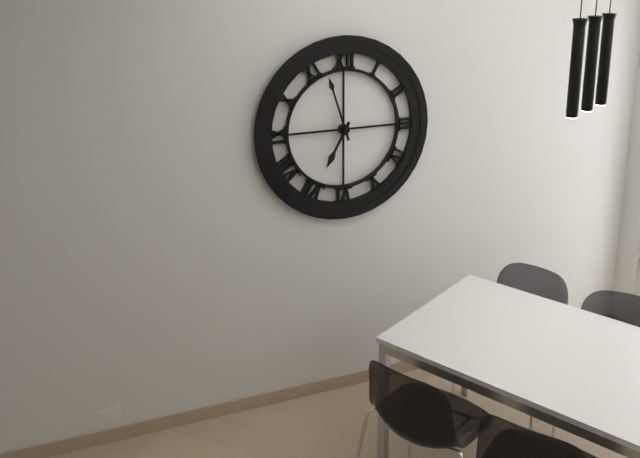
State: 6:57
